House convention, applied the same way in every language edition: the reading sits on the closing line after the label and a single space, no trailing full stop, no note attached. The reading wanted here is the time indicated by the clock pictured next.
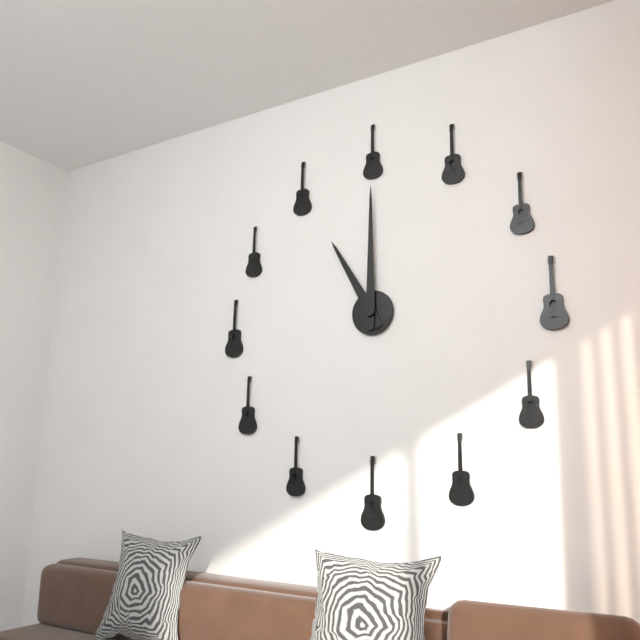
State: 11:00
